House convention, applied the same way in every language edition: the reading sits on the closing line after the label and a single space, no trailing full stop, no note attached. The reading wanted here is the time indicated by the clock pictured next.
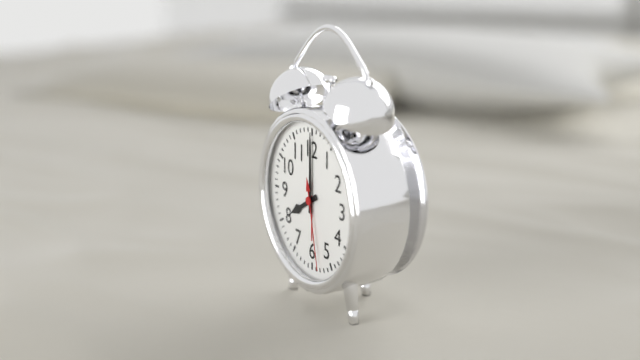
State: 8:00:28
